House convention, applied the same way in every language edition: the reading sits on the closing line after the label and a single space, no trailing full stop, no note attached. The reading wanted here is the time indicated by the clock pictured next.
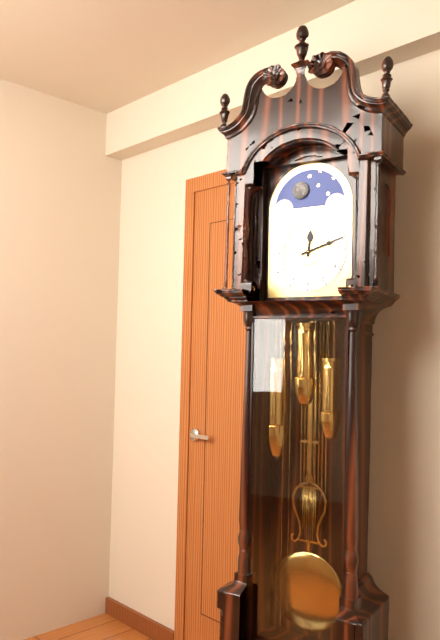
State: 12:12
